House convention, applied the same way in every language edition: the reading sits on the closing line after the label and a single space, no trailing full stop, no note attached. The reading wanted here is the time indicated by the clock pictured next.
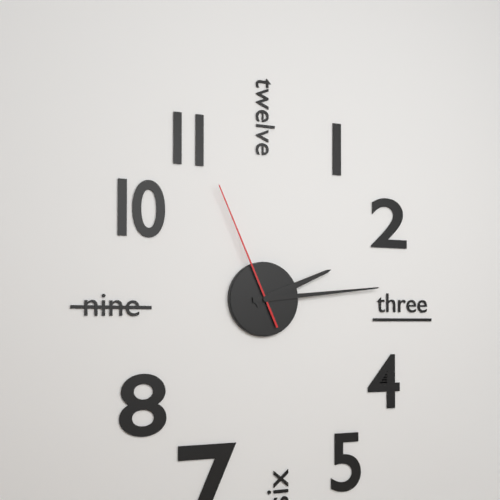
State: 2:14:56
